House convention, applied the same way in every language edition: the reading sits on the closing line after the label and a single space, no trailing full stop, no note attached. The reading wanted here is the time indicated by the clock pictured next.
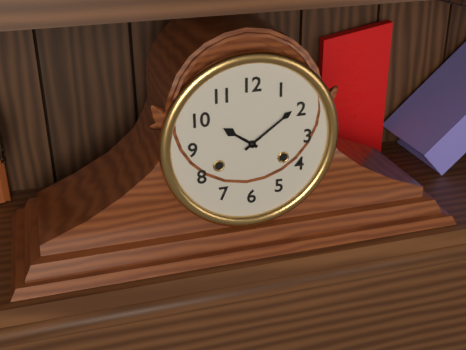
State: 10:09
